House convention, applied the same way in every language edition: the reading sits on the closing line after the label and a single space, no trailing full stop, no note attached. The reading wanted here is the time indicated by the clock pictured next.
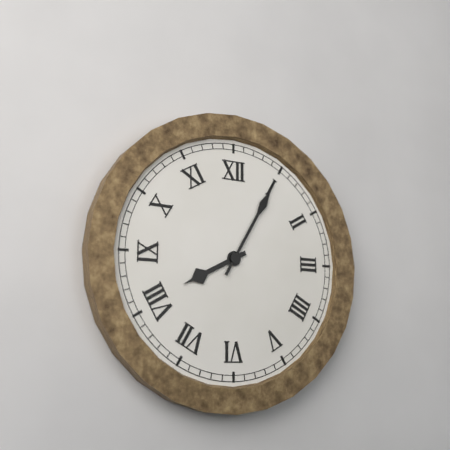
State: 8:05
